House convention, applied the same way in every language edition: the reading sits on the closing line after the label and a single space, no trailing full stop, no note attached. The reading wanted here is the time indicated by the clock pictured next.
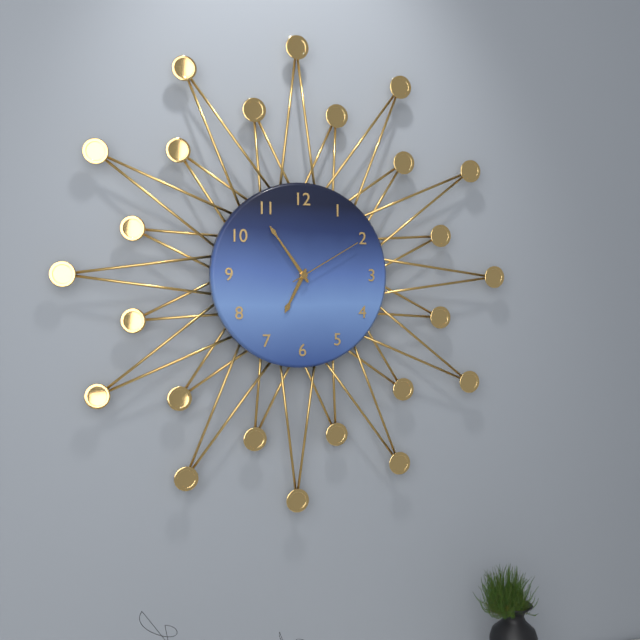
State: 6:54:10
